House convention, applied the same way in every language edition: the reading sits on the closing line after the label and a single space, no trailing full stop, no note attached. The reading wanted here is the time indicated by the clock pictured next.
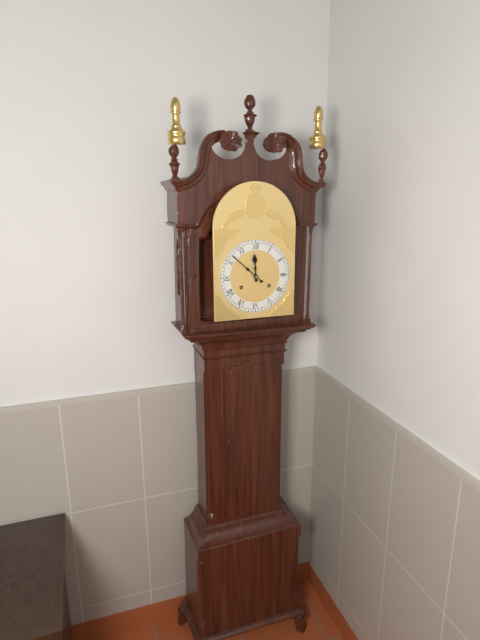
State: 11:52
